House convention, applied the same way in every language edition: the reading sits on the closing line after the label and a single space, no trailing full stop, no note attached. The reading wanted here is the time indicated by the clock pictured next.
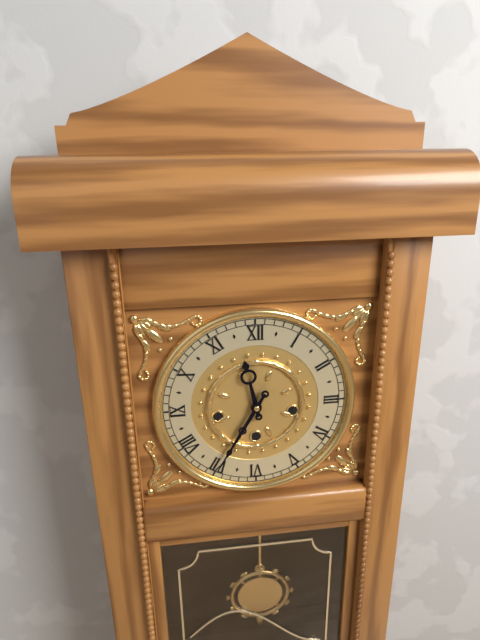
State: 11:35
